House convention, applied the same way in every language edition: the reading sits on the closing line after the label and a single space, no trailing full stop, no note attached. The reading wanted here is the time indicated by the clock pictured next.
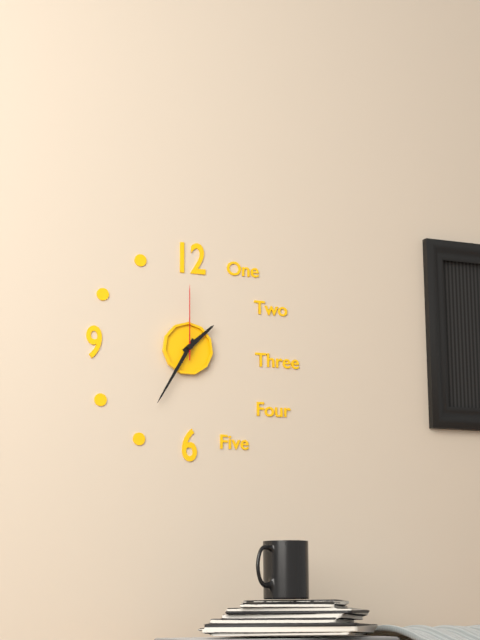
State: 1:35:00
